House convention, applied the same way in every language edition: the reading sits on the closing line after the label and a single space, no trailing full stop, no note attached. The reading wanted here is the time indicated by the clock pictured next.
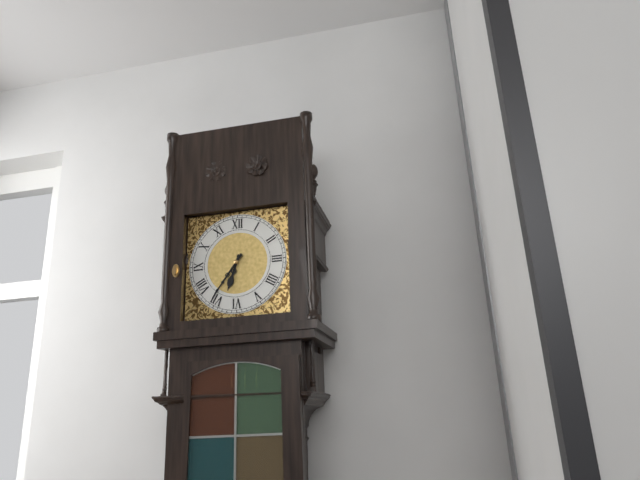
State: 6:36
